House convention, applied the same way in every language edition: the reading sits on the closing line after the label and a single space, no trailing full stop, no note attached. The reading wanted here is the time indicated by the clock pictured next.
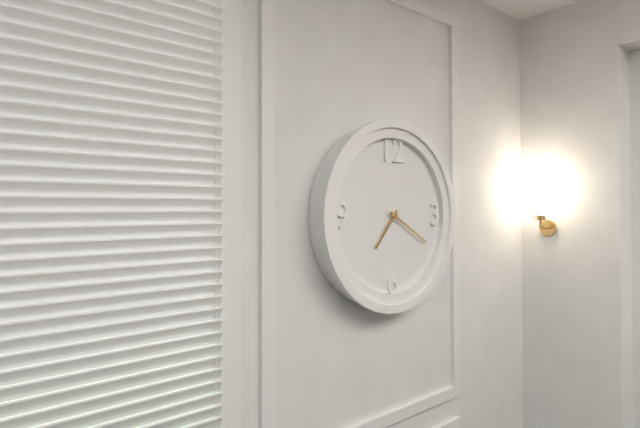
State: 7:20
